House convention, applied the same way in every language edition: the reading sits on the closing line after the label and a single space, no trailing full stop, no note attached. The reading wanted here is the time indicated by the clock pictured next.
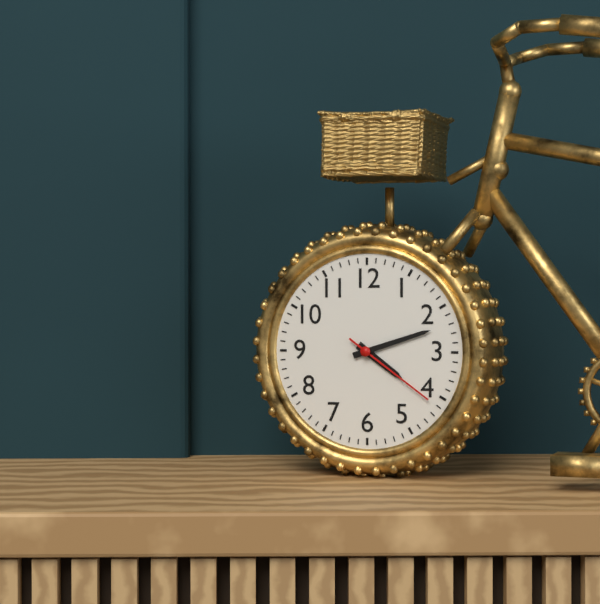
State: 4:12:21
